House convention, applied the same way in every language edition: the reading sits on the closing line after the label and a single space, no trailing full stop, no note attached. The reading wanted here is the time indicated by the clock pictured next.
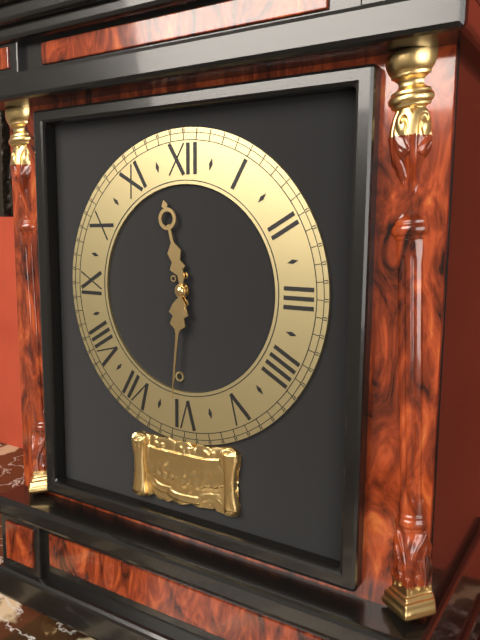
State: 11:31
